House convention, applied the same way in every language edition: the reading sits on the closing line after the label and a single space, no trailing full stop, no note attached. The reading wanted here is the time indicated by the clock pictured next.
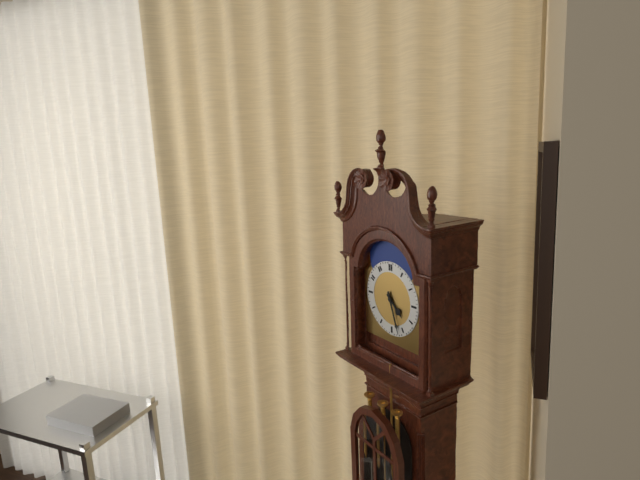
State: 4:27
